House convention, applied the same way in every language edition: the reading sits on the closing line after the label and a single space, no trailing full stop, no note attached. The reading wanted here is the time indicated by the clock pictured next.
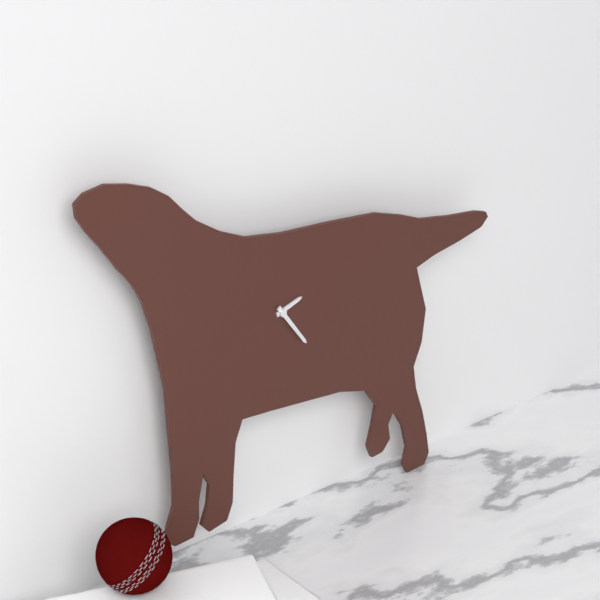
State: 2:24
